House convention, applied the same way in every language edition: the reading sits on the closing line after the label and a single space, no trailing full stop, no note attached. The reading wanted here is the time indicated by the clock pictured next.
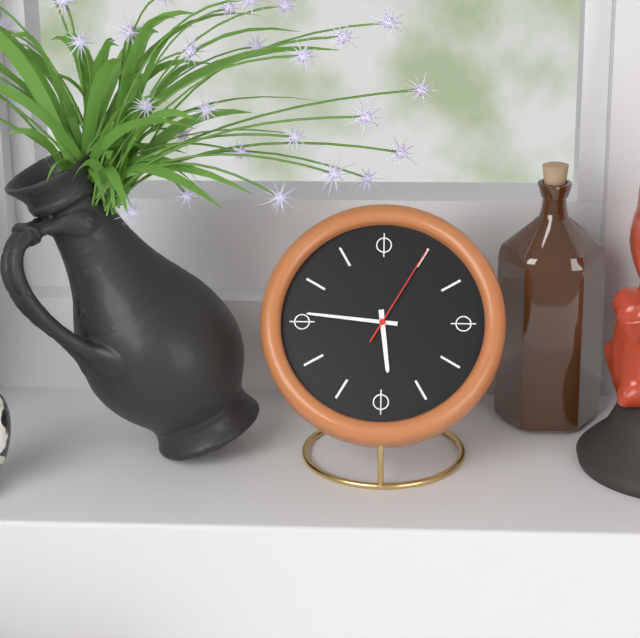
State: 5:46:05
